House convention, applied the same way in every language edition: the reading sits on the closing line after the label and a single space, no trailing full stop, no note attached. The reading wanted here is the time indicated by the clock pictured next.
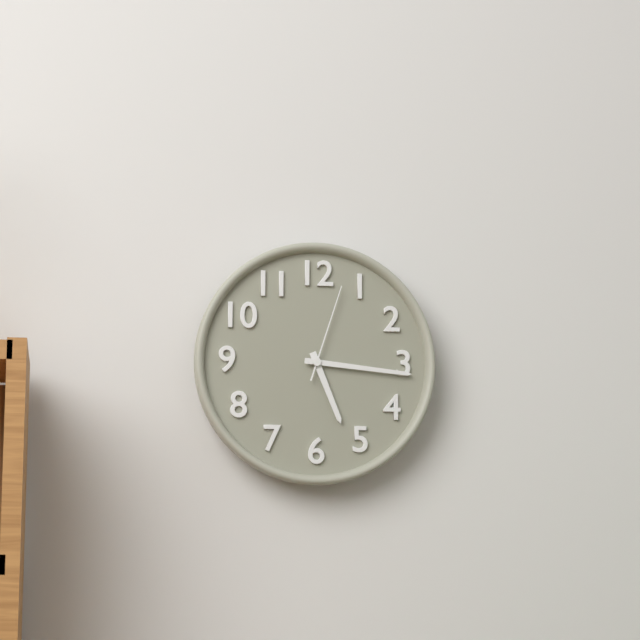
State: 5:16:03
